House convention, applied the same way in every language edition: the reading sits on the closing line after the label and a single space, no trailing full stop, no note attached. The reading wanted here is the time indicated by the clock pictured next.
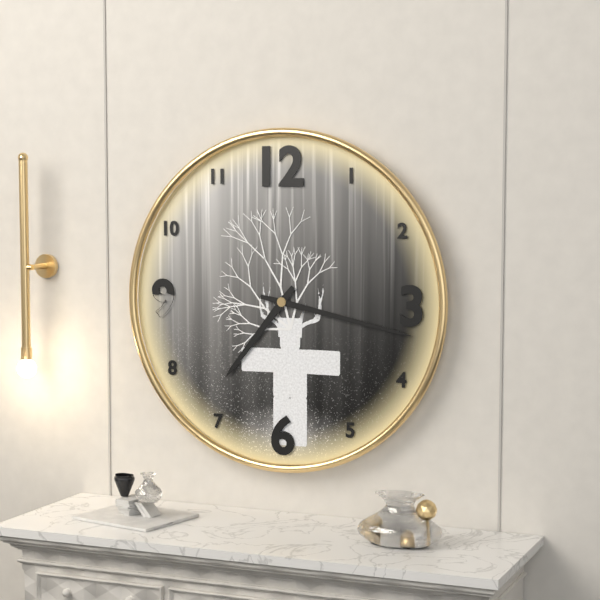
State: 7:17
